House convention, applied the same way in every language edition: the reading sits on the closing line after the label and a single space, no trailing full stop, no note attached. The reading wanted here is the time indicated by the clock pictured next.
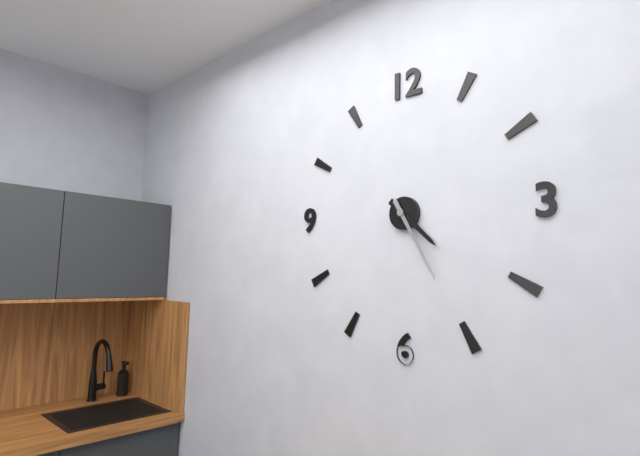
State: 4:25
